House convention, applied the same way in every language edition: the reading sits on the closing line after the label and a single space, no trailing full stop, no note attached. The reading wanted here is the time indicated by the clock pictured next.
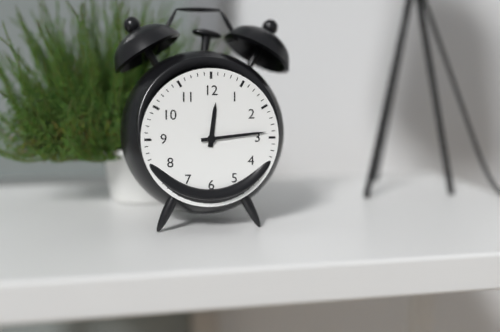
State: 12:14
